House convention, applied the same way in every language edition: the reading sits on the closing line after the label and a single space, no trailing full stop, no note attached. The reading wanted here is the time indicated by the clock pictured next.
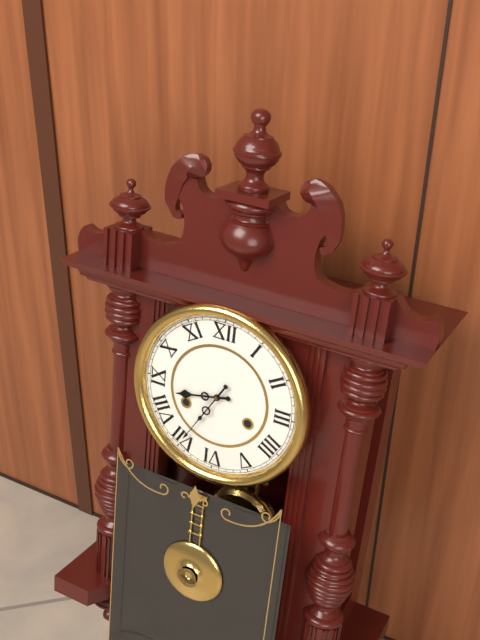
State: 8:35
